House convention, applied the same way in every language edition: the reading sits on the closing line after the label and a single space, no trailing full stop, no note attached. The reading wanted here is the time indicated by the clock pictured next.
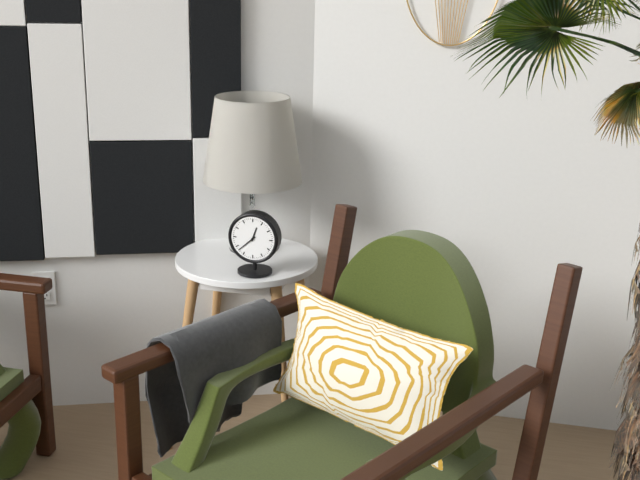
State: 12:38
